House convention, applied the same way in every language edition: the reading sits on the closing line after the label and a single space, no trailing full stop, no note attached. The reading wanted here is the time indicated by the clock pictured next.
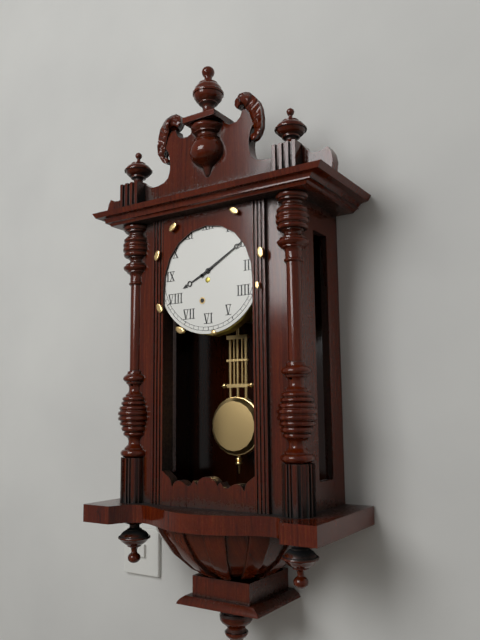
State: 8:10
